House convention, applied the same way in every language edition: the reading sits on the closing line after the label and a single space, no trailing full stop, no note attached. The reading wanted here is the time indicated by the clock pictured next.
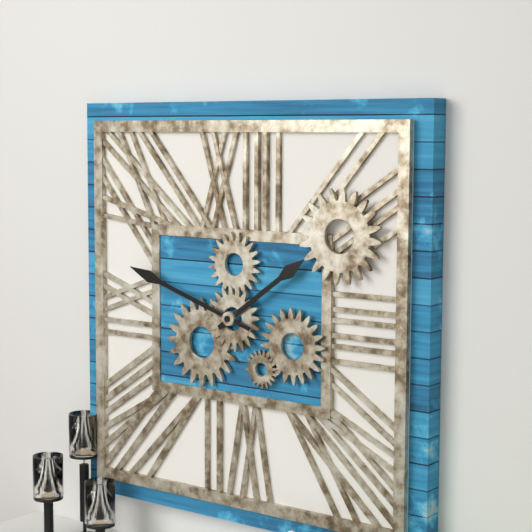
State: 1:48
